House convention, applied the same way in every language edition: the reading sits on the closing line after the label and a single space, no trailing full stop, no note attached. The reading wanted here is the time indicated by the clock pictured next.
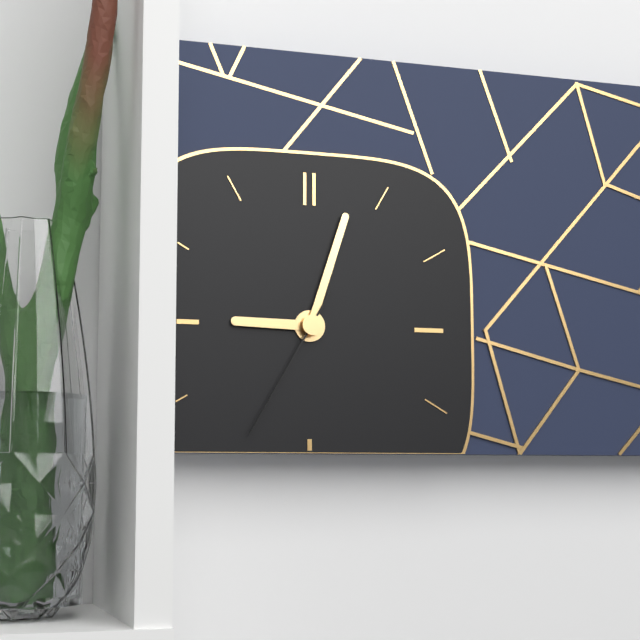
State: 9:03:35
